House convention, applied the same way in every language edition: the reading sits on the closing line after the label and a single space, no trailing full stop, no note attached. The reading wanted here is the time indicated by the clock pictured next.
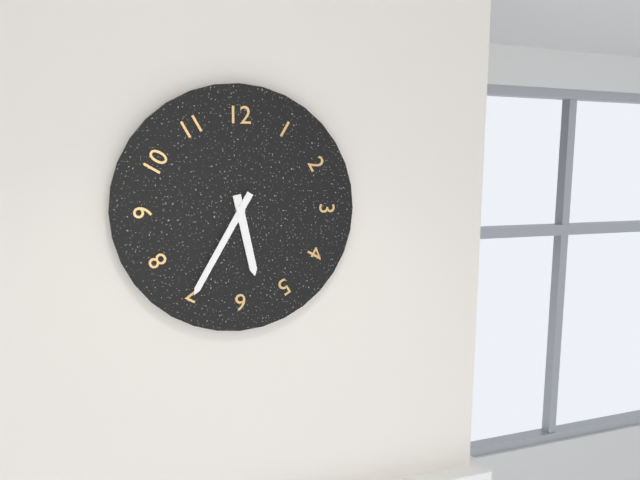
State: 5:35
